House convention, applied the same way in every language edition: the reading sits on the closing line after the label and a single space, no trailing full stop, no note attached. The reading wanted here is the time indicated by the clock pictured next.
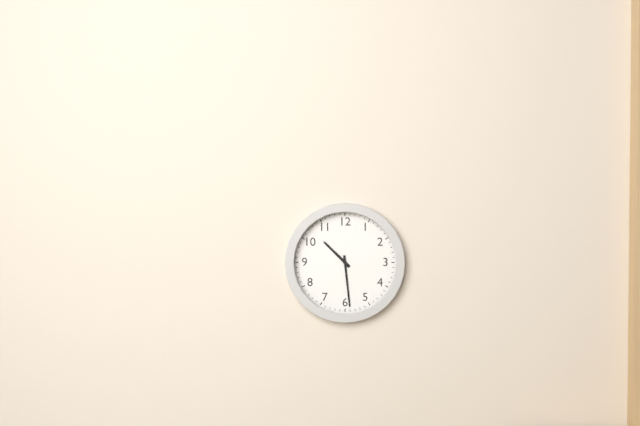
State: 10:29
